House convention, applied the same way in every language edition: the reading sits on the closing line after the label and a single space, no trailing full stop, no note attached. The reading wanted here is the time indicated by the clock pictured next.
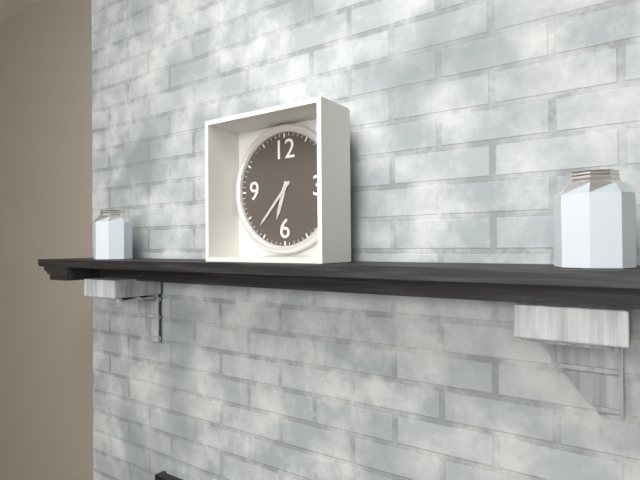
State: 6:37
